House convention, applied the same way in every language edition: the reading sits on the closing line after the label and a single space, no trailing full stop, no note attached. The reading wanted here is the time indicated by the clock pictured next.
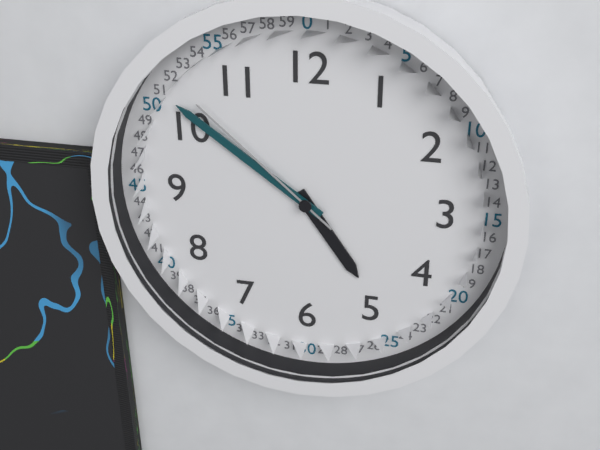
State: 4:51:52
